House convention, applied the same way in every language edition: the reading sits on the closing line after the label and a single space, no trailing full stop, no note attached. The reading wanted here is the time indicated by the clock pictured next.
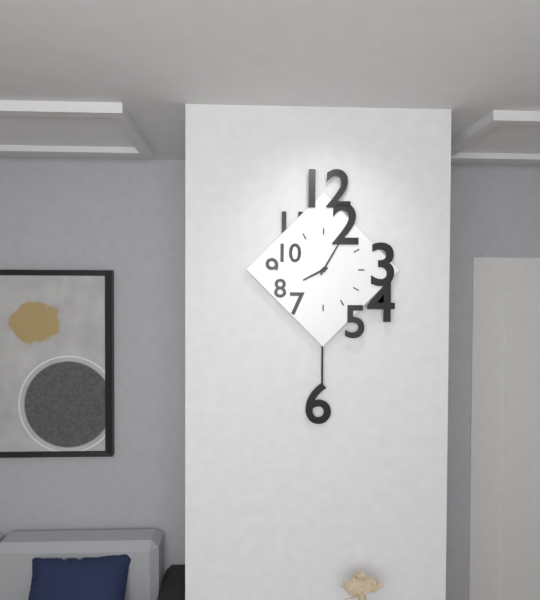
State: 8:05
